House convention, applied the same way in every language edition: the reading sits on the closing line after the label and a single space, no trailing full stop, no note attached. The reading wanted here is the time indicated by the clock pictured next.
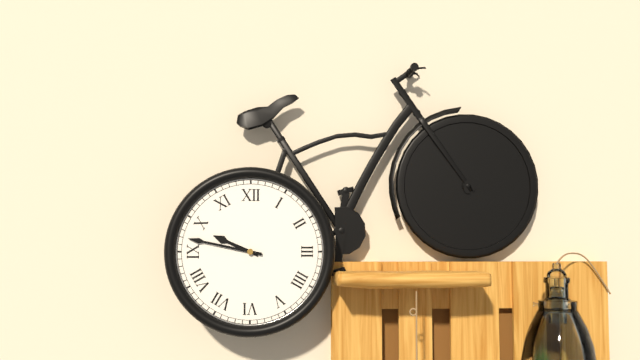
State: 9:47
